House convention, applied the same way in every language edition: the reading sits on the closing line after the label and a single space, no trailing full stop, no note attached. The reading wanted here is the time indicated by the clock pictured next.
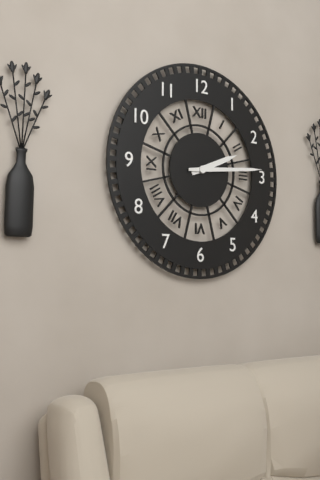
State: 2:14
